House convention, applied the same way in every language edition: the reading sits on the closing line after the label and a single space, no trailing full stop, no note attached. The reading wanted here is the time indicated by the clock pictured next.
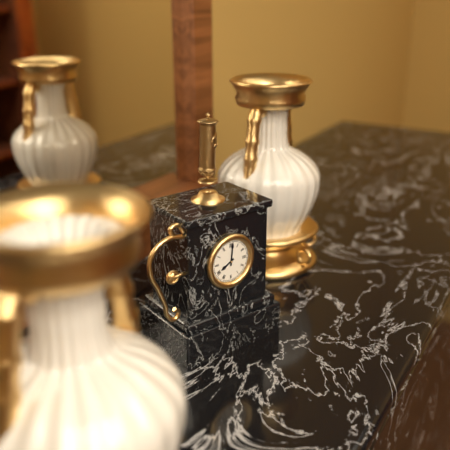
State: 8:01
